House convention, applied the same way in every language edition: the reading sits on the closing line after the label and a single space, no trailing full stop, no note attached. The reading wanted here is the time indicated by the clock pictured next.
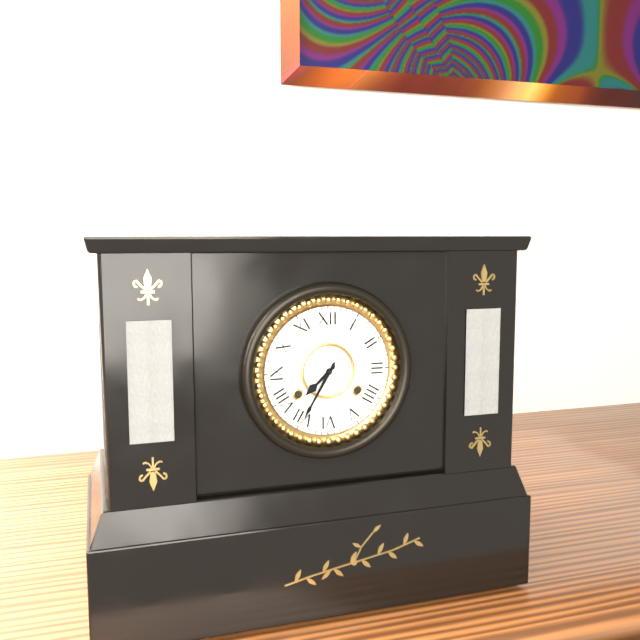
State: 7:35
